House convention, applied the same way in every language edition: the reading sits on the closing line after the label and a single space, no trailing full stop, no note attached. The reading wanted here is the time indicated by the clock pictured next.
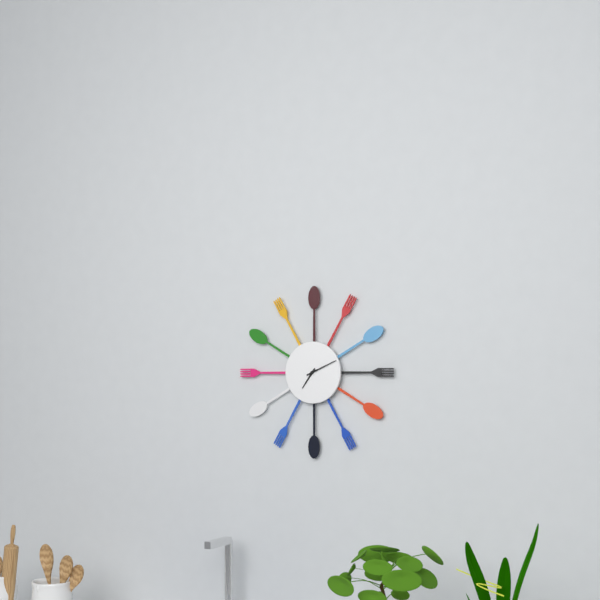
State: 7:11
